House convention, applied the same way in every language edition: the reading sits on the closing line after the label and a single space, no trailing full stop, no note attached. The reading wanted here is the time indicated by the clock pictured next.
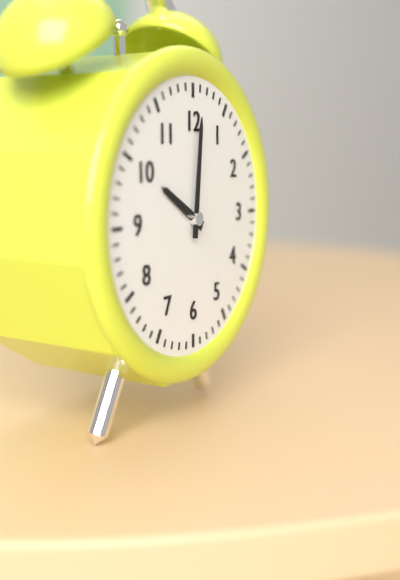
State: 10:01
